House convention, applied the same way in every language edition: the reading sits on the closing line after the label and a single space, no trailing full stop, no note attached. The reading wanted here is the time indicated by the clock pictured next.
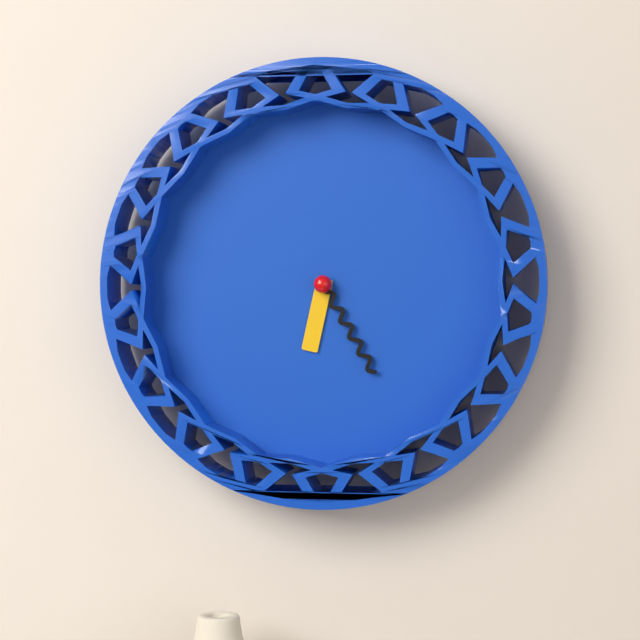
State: 6:25
